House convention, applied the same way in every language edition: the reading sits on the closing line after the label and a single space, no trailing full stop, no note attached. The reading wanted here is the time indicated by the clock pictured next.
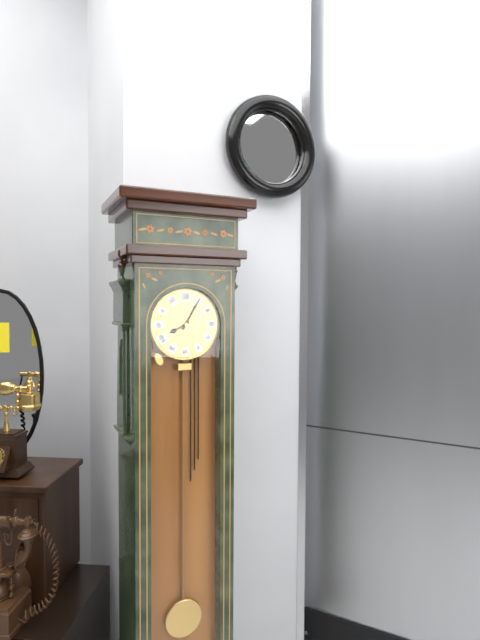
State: 8:05
